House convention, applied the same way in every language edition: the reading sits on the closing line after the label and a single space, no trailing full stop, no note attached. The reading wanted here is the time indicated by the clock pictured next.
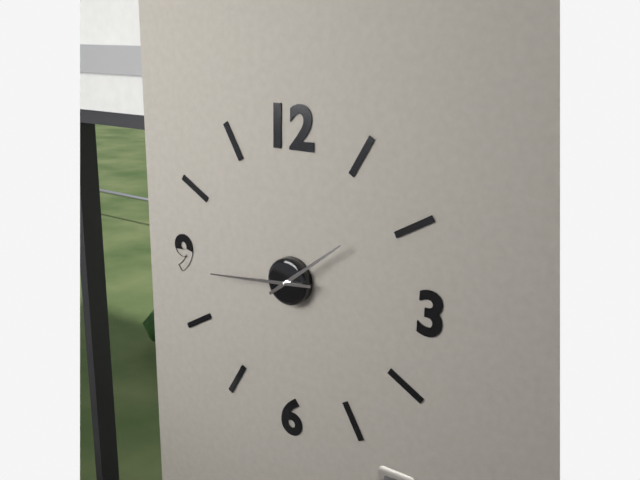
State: 1:44
